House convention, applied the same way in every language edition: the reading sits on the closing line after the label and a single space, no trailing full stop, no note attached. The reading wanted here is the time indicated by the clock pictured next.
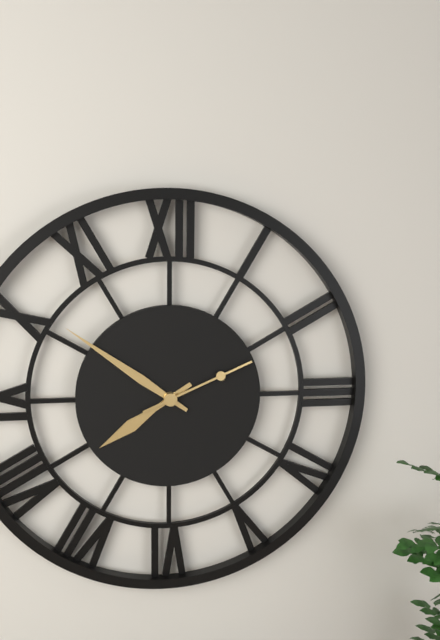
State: 7:51:11
